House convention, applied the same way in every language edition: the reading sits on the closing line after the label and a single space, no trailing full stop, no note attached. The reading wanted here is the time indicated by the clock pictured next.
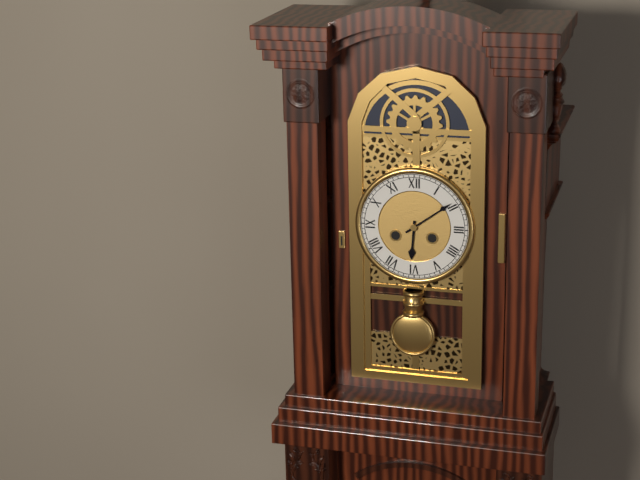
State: 6:09
